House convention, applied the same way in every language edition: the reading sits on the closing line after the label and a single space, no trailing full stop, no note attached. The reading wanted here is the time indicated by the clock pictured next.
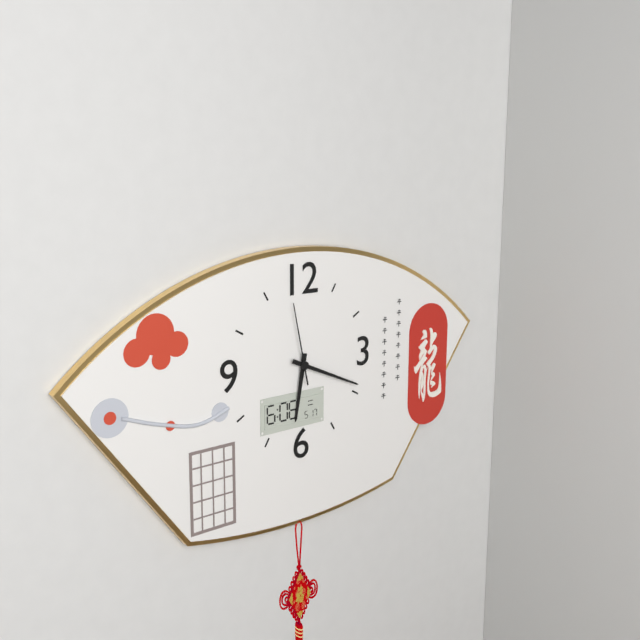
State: 6:19:58
